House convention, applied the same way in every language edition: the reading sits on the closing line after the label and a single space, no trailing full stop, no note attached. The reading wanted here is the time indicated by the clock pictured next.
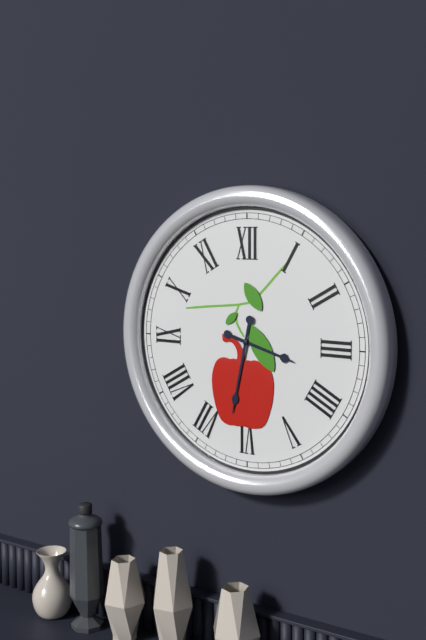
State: 3:32
